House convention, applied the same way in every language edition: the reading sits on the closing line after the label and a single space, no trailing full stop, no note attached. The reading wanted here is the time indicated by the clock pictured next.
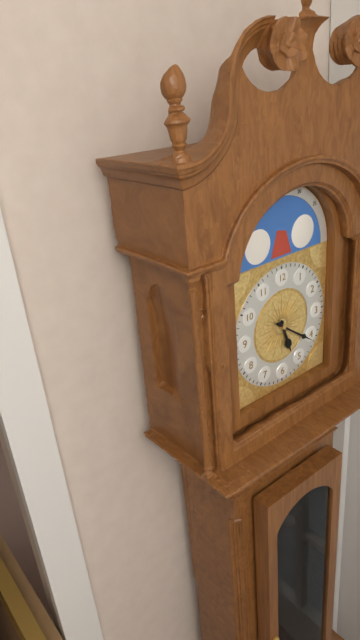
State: 5:21
